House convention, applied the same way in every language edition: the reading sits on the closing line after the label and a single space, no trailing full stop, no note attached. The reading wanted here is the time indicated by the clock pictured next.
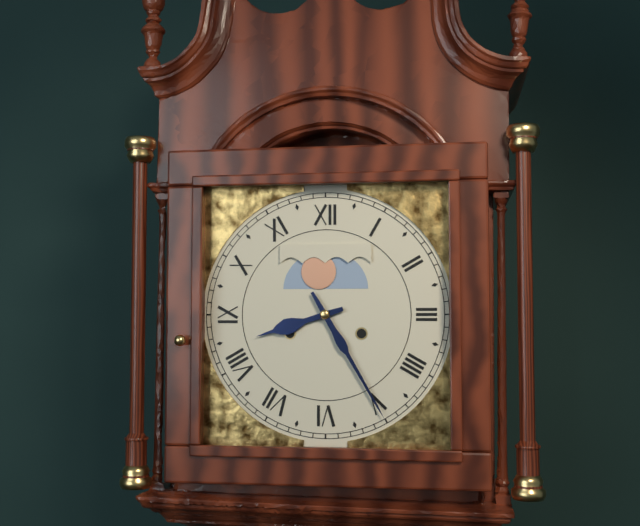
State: 8:25
